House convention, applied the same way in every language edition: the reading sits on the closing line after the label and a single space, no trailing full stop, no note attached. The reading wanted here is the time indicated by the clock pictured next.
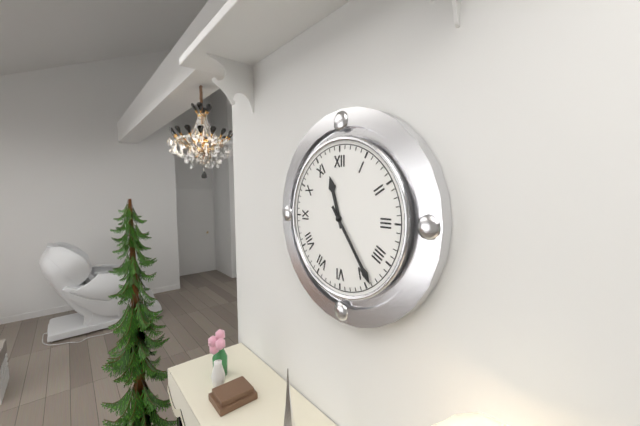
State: 11:24
